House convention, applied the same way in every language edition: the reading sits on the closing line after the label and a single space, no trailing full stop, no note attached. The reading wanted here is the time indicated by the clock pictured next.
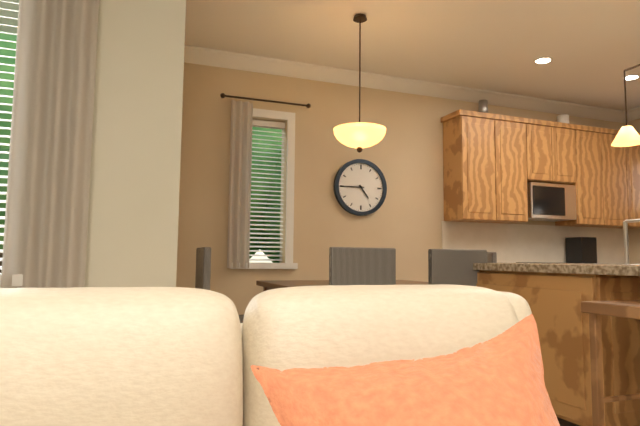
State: 4:45
